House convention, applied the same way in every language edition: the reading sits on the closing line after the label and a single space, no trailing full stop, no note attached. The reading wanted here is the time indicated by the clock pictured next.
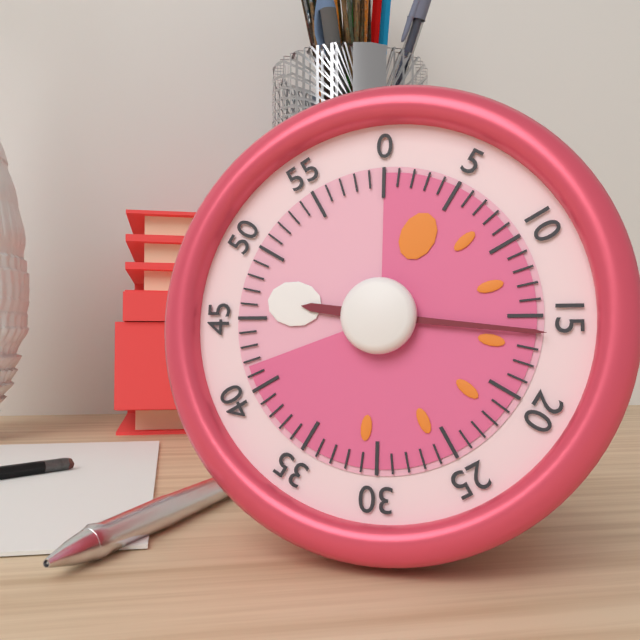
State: 9:16
